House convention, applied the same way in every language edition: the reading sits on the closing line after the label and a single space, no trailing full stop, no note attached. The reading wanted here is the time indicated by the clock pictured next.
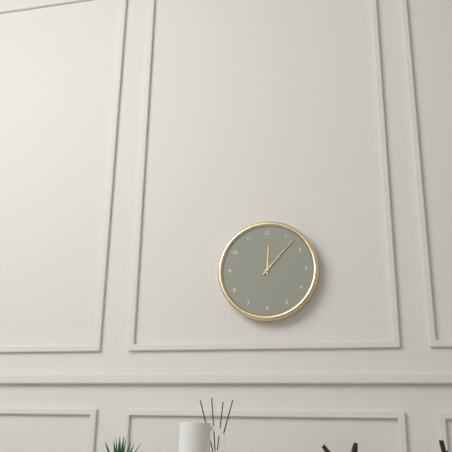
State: 12:07
